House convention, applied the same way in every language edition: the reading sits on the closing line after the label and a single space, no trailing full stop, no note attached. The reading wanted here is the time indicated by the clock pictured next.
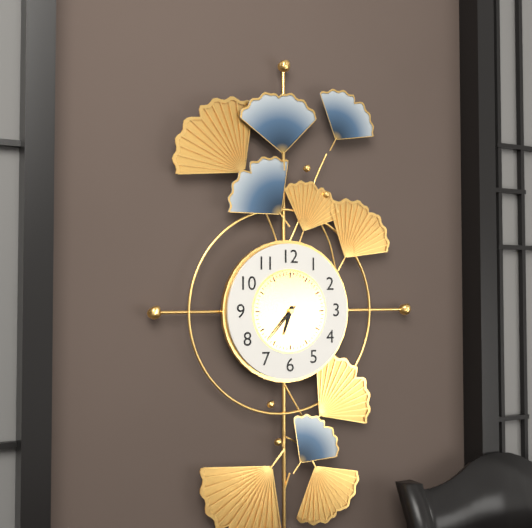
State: 6:37
